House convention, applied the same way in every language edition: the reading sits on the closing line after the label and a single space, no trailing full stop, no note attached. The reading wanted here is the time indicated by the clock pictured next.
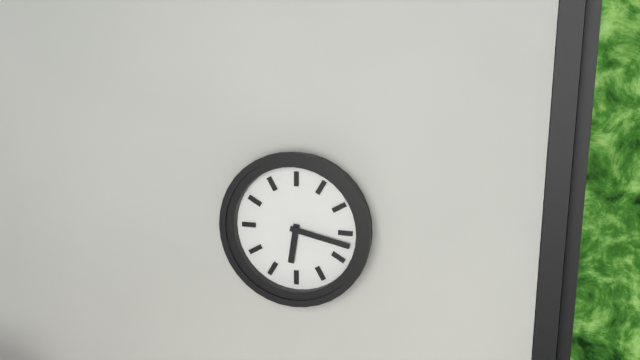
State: 6:17
